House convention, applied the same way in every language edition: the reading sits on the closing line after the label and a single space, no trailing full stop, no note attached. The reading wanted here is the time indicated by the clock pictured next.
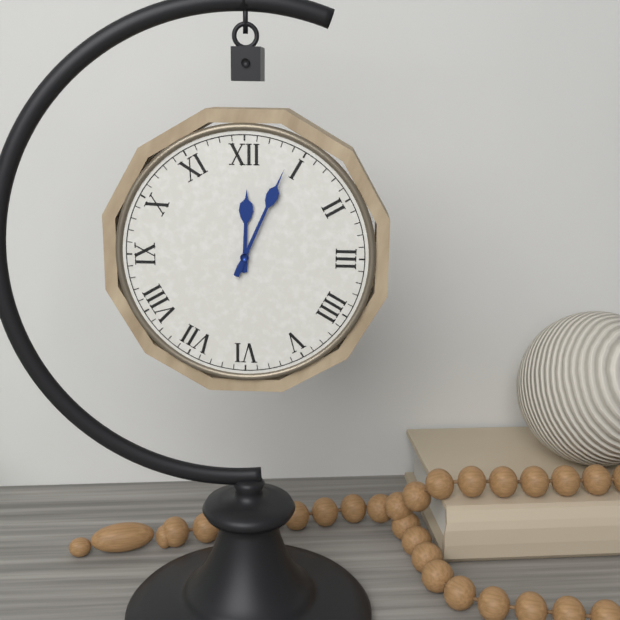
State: 12:04
